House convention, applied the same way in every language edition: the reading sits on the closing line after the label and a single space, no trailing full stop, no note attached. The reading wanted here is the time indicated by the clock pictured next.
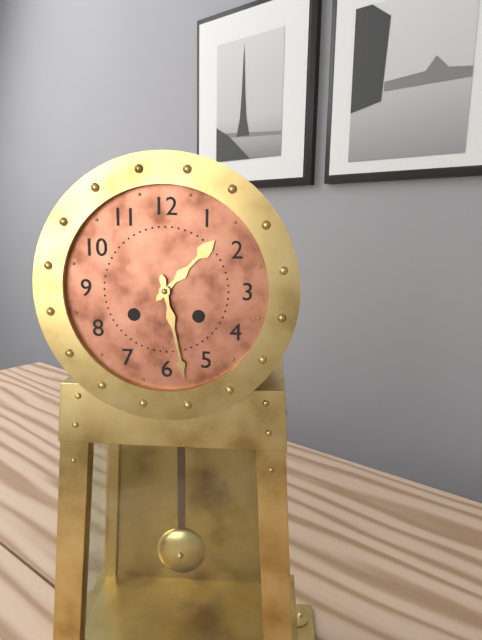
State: 1:28
